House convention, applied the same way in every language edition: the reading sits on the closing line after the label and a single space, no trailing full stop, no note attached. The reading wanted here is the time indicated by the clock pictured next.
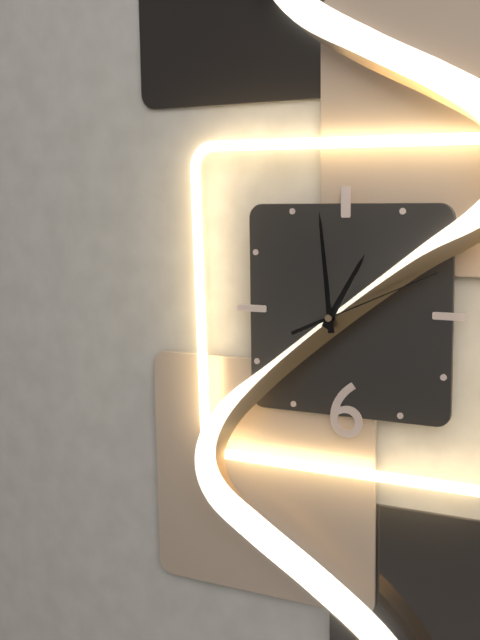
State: 12:59:11
